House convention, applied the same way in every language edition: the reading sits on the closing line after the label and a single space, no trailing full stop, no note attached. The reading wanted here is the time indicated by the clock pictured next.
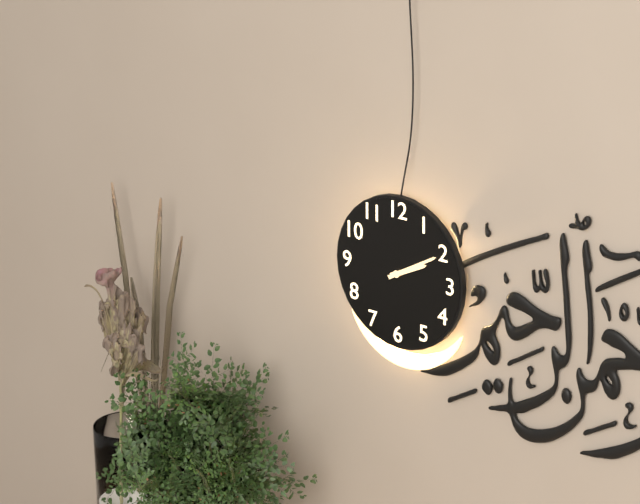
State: 2:10
